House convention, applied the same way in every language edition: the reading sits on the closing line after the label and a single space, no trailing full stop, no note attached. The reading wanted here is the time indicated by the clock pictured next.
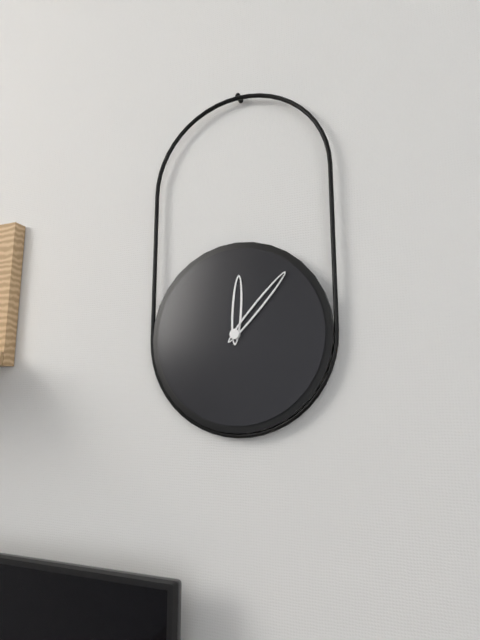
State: 12:07
